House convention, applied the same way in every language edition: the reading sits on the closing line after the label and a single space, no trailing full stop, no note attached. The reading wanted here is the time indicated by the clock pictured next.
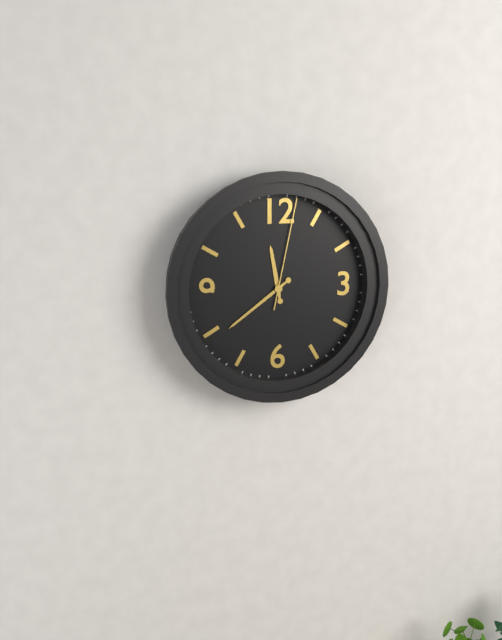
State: 11:39:02
